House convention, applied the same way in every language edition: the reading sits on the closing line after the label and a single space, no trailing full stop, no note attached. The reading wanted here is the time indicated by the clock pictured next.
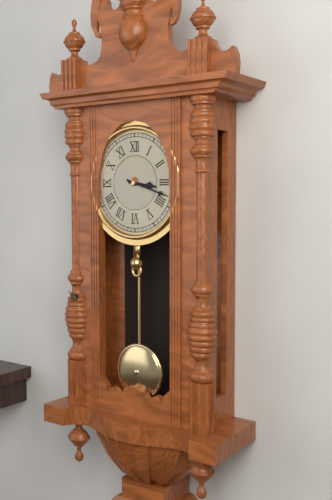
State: 3:18
